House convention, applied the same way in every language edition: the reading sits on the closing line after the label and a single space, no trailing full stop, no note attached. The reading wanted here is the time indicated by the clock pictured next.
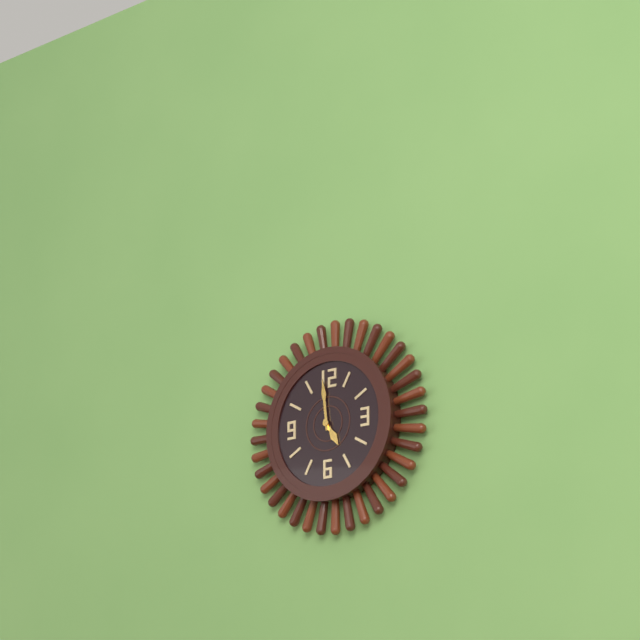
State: 4:59
